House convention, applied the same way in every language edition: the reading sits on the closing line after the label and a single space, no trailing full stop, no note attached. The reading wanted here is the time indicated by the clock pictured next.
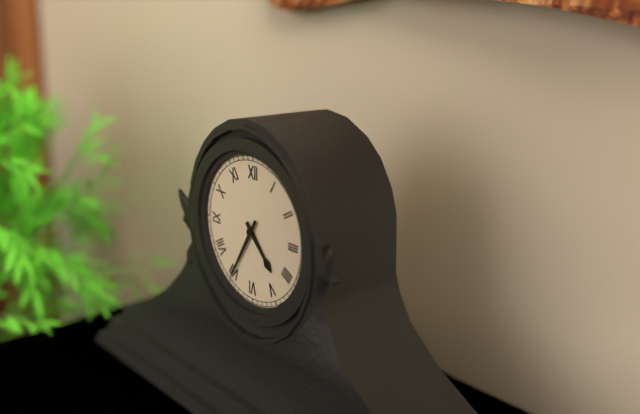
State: 4:35
